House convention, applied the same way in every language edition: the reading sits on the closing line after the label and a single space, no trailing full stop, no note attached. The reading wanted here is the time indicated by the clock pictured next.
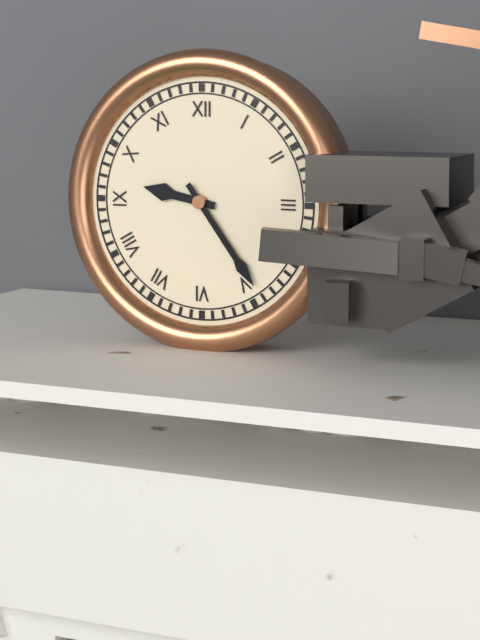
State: 9:24
